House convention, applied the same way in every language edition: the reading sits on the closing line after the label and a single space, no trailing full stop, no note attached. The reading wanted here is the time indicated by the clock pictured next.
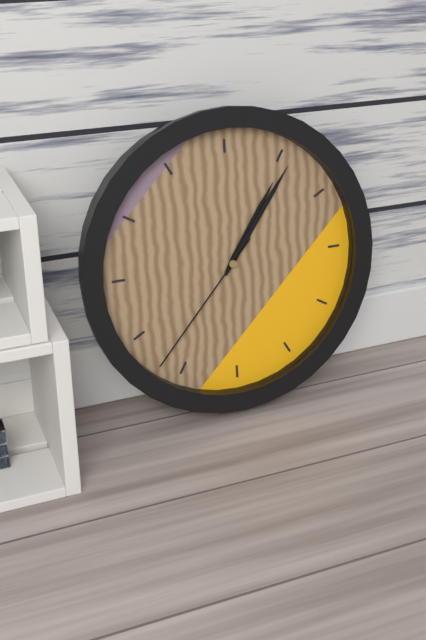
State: 1:06:37
